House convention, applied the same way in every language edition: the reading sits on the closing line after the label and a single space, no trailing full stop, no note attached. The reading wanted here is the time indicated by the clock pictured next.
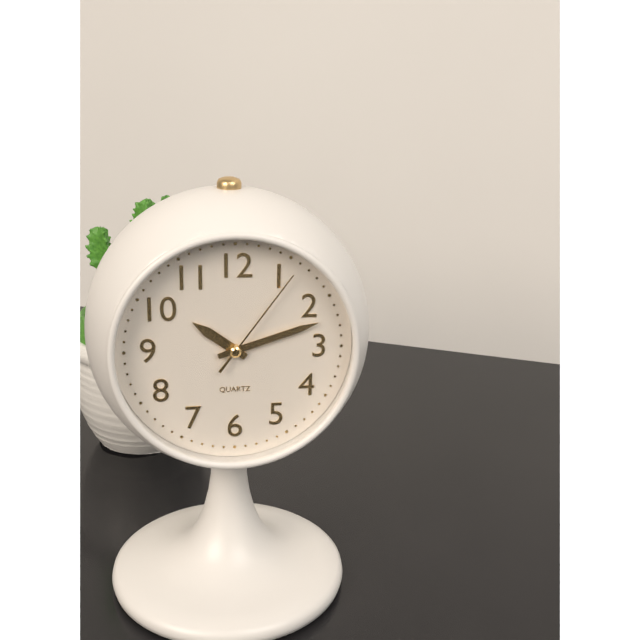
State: 10:12:06
